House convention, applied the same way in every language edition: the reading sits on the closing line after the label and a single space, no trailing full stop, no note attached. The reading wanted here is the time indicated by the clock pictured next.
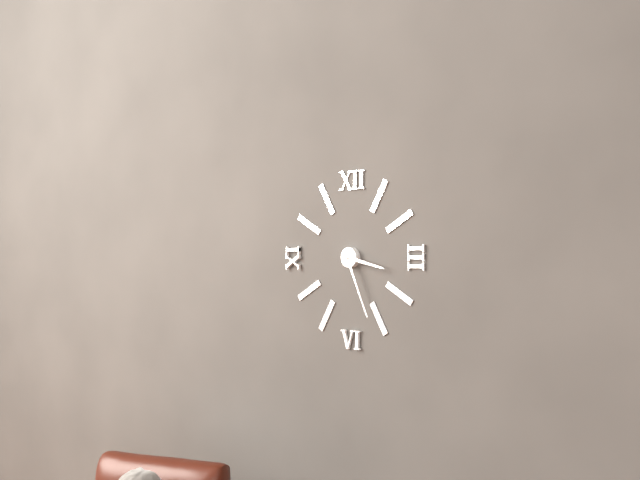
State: 3:26
